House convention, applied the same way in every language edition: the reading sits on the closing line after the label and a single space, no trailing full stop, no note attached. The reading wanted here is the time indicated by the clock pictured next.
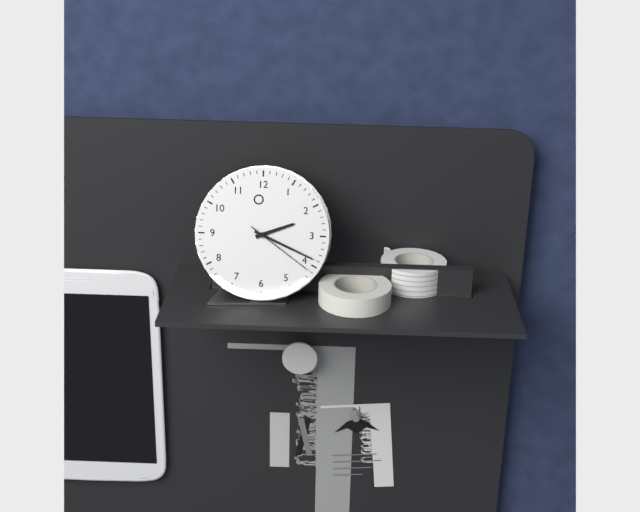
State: 2:19:21
